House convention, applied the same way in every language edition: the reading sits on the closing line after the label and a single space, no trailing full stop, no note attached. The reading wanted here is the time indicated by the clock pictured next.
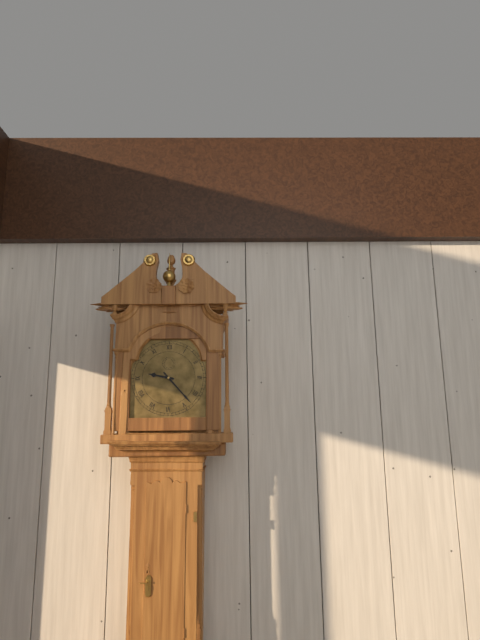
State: 9:23
